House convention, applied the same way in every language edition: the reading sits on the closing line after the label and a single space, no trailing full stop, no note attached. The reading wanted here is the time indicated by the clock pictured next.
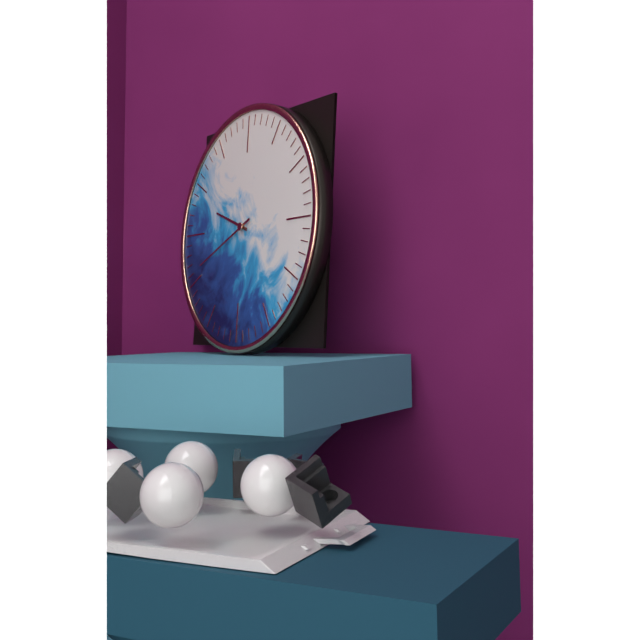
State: 9:41
